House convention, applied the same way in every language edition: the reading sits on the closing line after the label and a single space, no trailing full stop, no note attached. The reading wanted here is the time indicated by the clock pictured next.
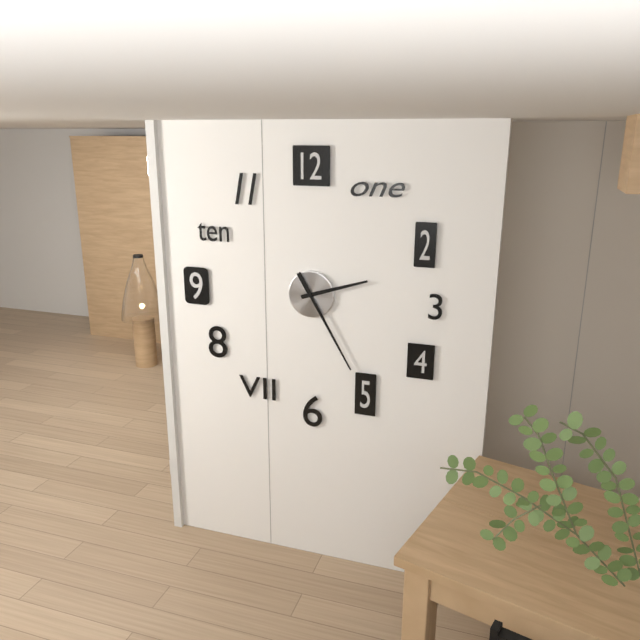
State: 2:25
